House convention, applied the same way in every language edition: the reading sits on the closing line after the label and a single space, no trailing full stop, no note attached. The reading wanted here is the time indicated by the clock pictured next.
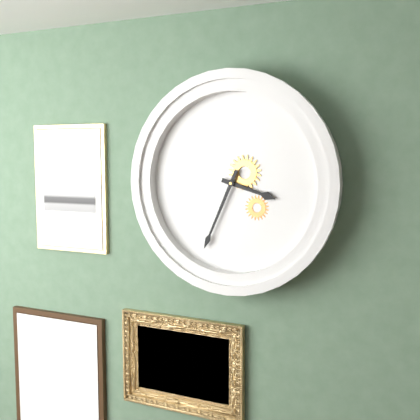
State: 3:34
